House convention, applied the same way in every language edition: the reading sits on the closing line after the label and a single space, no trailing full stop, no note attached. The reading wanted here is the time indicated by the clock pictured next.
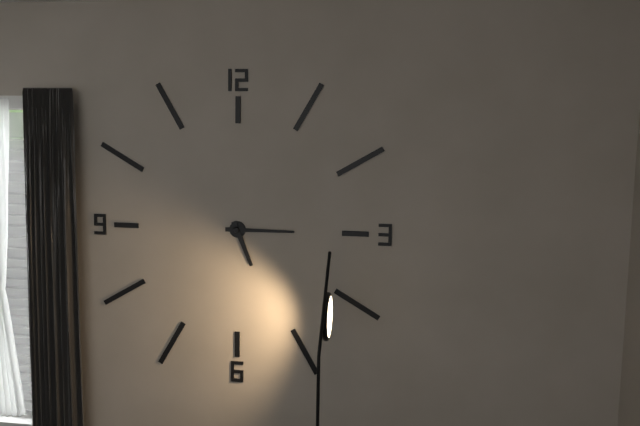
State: 5:15
